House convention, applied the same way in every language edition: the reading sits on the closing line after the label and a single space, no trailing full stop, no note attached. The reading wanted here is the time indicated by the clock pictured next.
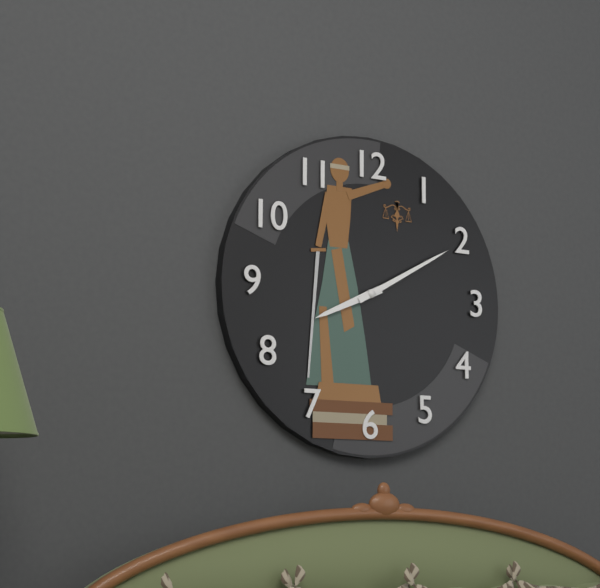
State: 8:10
